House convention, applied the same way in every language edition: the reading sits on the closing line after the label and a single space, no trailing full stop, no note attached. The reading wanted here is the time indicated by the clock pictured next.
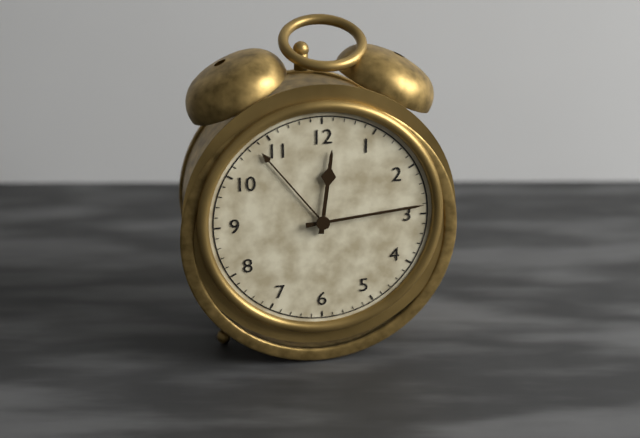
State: 12:14
